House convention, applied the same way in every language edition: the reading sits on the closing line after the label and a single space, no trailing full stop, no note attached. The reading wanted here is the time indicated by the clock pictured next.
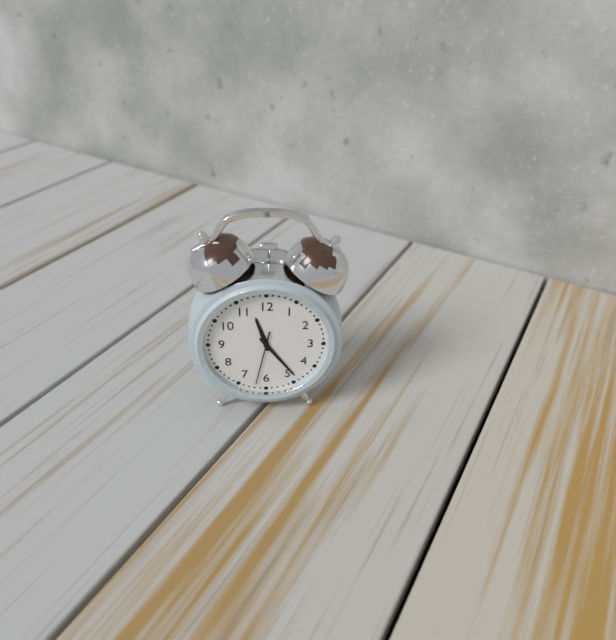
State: 11:24:32
